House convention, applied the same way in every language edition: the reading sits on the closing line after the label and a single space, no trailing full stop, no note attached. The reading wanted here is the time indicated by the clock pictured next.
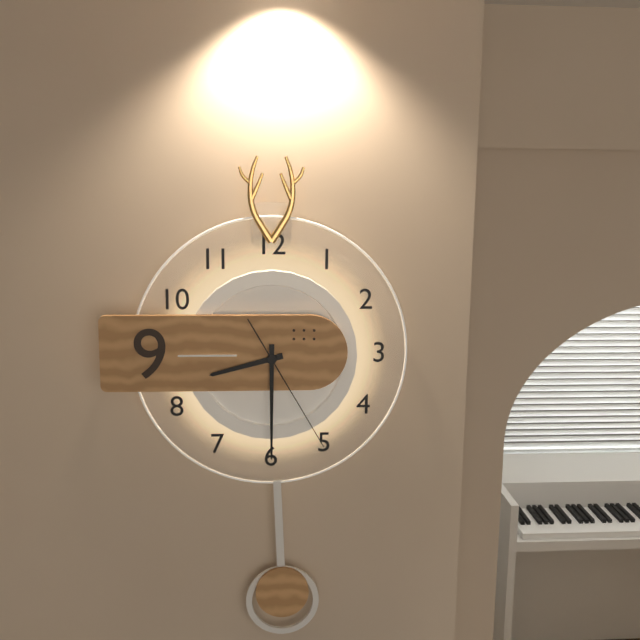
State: 8:30:25
